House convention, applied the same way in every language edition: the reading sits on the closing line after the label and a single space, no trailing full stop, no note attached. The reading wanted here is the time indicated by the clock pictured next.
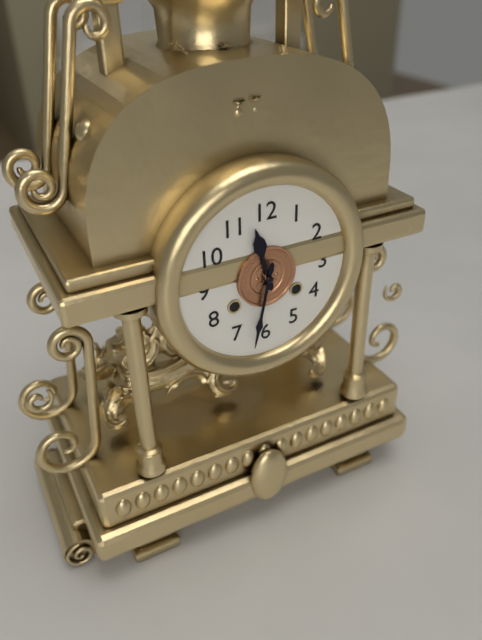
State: 11:32
